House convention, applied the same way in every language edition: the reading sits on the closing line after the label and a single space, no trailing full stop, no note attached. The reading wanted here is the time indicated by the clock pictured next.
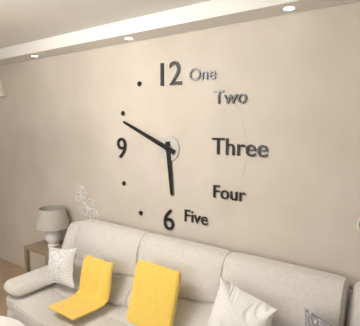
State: 5:49
